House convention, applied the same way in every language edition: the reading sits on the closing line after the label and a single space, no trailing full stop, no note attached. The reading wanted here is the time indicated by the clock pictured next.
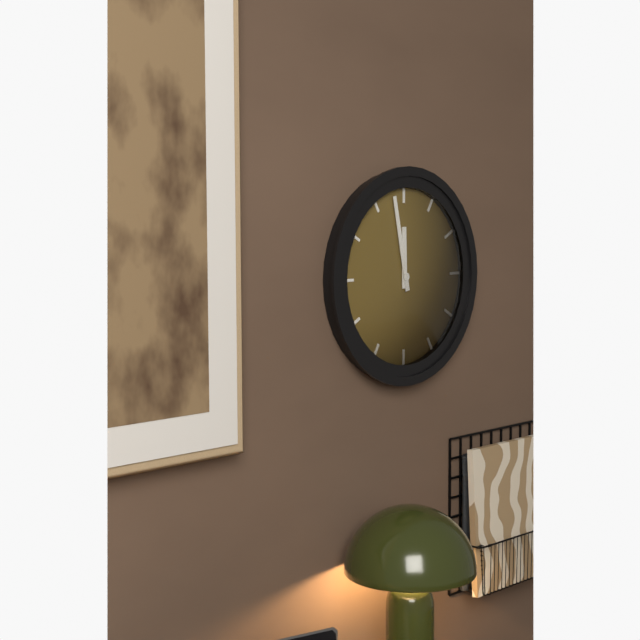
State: 11:58
